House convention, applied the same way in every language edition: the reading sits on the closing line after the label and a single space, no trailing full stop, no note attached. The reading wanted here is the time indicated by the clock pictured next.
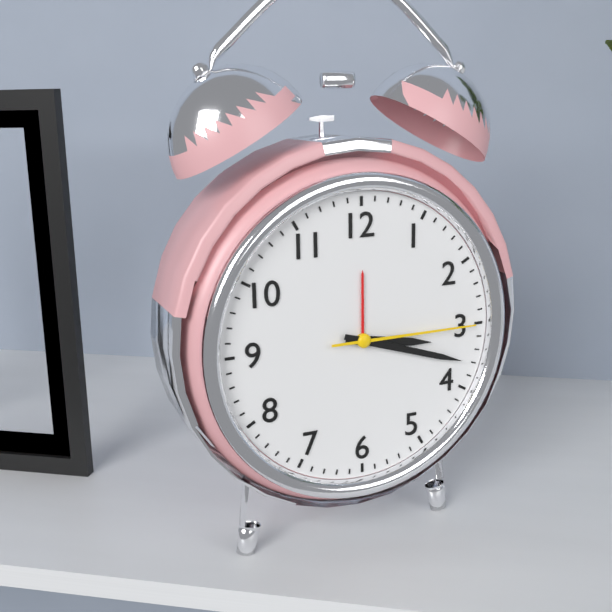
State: 3:18:15
